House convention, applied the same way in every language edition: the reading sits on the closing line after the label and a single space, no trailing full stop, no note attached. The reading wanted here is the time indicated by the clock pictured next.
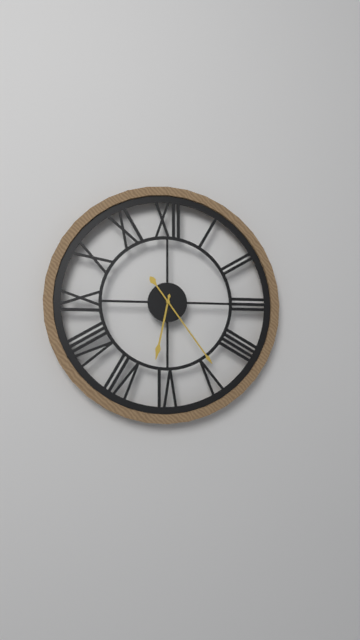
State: 6:24
